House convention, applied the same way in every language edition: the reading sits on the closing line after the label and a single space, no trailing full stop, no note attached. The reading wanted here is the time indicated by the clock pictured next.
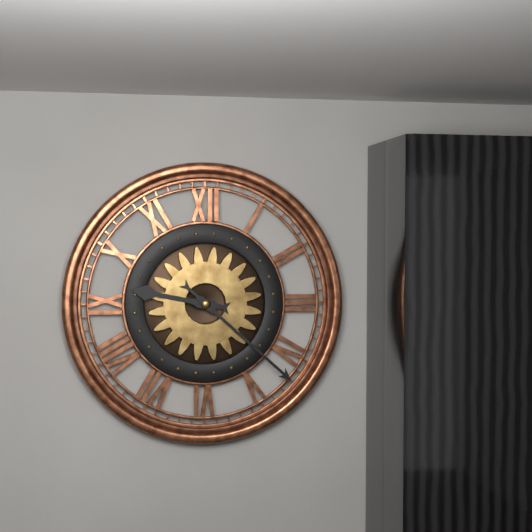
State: 9:22
